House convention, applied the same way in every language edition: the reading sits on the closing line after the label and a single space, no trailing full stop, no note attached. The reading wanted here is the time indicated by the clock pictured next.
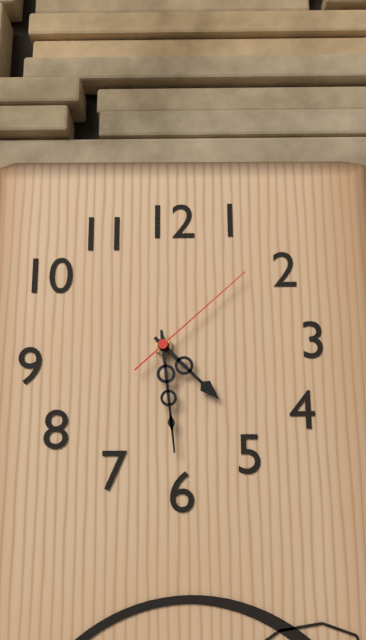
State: 4:29:08
